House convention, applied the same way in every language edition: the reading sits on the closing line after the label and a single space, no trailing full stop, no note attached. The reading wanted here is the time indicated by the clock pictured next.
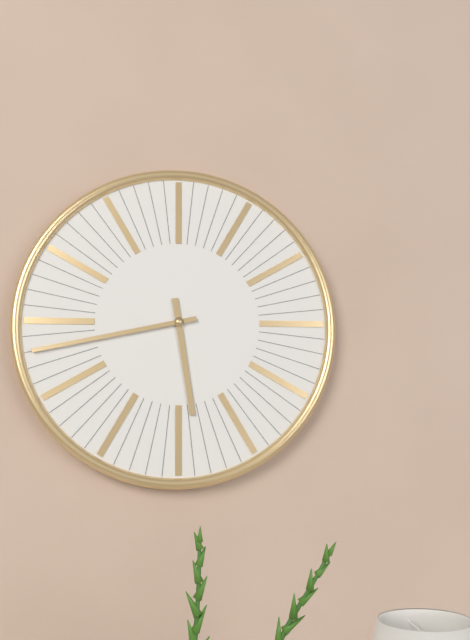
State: 5:43
